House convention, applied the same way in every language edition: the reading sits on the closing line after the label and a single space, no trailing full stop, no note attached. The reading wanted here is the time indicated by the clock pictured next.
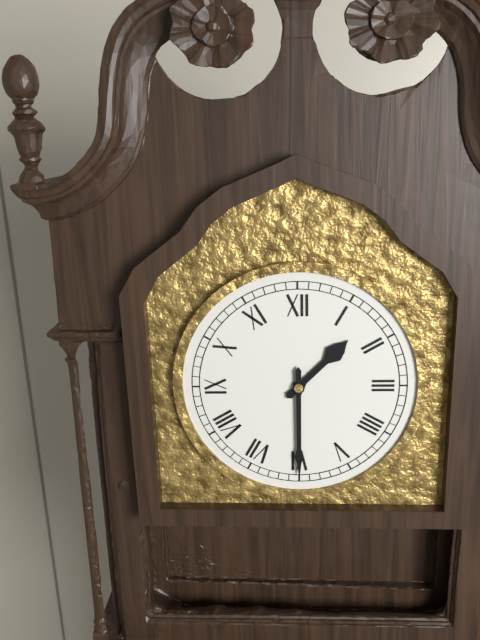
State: 1:30
